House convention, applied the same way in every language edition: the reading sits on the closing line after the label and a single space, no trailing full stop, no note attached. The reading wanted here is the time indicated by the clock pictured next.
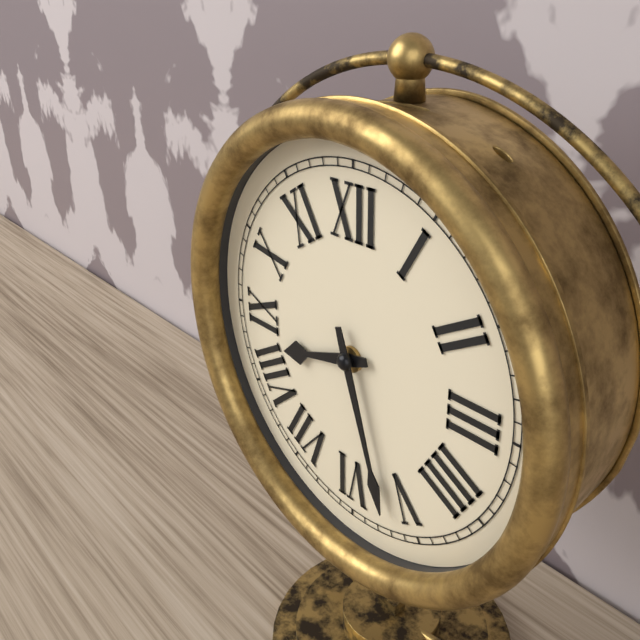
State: 8:27
